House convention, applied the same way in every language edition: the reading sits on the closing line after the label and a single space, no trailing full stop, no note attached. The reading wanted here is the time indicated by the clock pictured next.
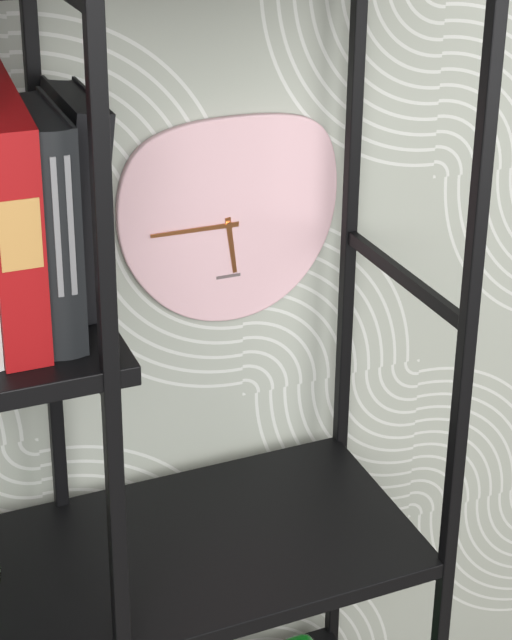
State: 5:45
